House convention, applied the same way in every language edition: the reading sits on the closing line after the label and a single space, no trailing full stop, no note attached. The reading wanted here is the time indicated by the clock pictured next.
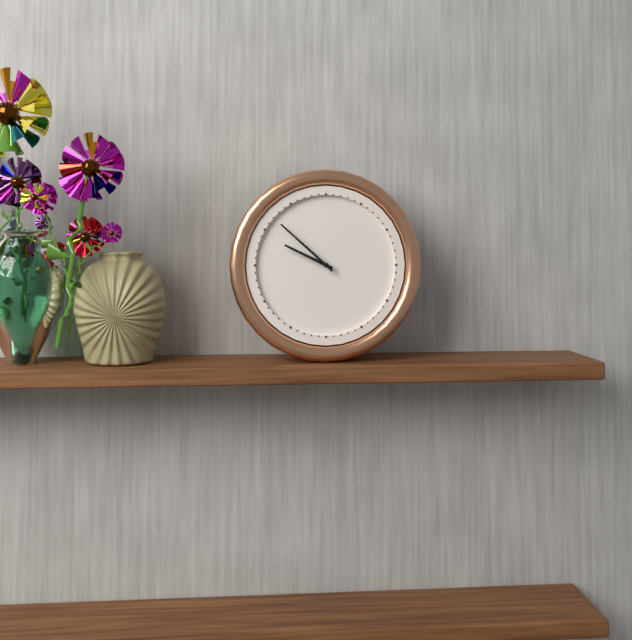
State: 9:52
